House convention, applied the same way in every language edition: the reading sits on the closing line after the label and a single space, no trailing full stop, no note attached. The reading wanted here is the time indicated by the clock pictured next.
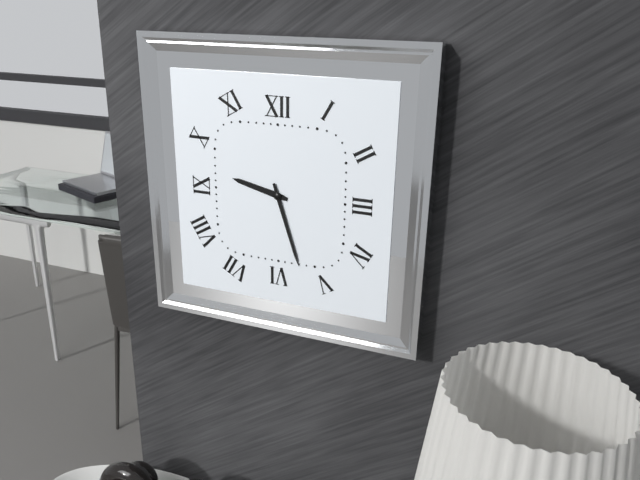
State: 9:27
